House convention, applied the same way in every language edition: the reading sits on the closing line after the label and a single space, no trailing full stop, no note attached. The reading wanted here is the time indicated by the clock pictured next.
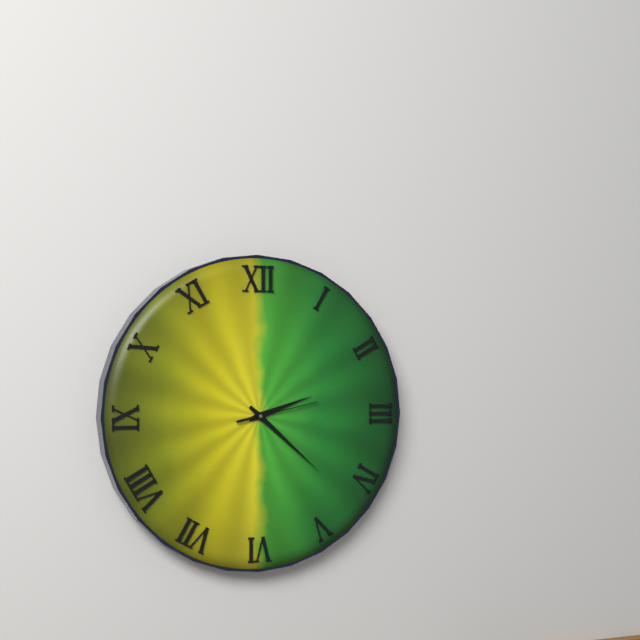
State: 2:22:13
